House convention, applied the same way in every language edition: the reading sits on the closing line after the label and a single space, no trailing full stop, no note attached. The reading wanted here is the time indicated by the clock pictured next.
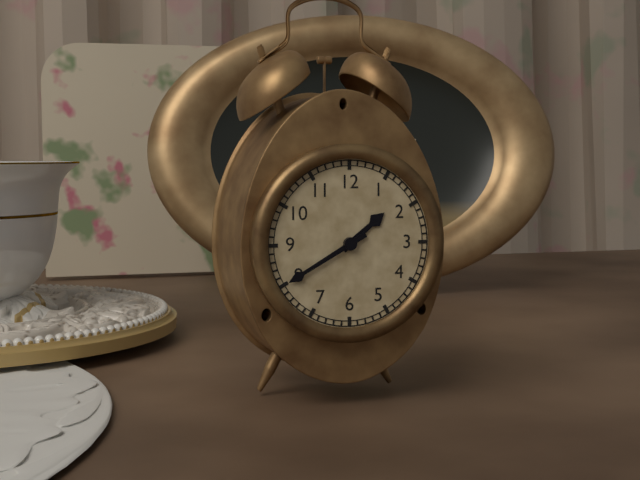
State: 1:40
